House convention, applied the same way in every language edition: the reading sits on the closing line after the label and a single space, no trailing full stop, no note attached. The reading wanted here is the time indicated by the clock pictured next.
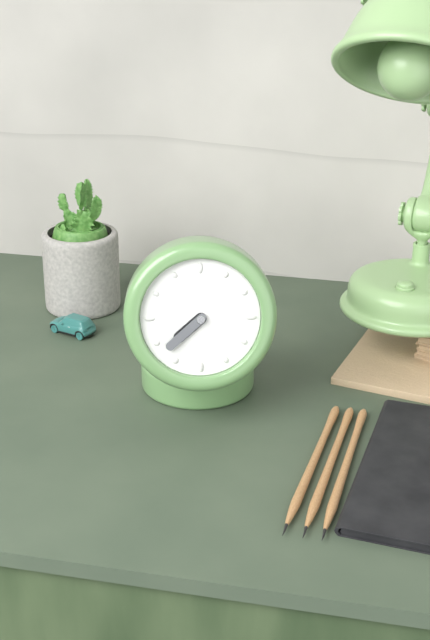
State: 7:38
